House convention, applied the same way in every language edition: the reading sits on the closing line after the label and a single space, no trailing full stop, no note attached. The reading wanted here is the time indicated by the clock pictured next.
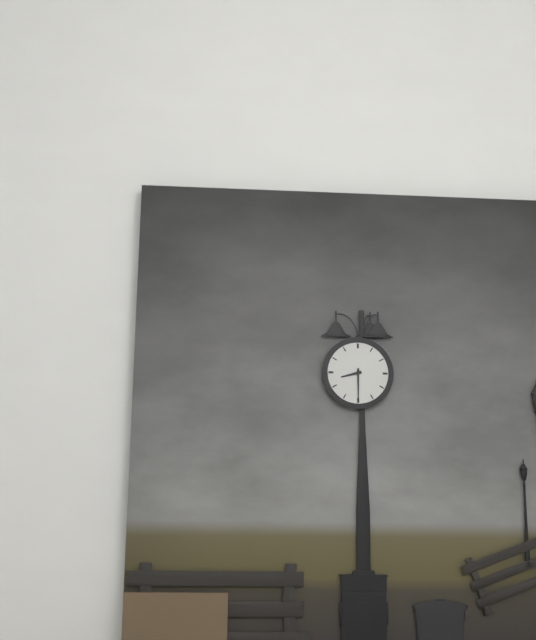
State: 8:30
